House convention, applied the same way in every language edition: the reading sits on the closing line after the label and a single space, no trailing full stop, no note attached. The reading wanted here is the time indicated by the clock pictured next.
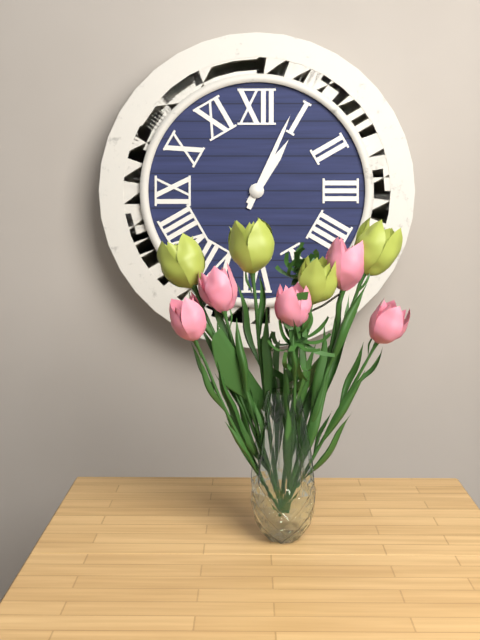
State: 1:04
